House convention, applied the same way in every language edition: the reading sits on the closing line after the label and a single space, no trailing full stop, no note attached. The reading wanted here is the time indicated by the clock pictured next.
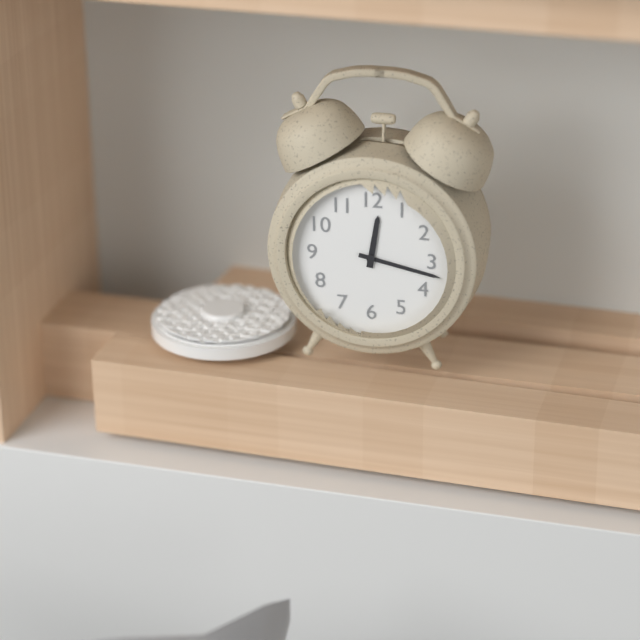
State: 12:17
